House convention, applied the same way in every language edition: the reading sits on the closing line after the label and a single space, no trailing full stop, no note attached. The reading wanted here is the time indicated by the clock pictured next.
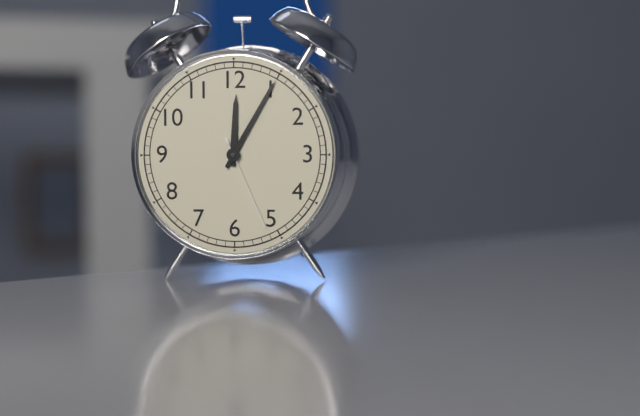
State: 12:05:26
